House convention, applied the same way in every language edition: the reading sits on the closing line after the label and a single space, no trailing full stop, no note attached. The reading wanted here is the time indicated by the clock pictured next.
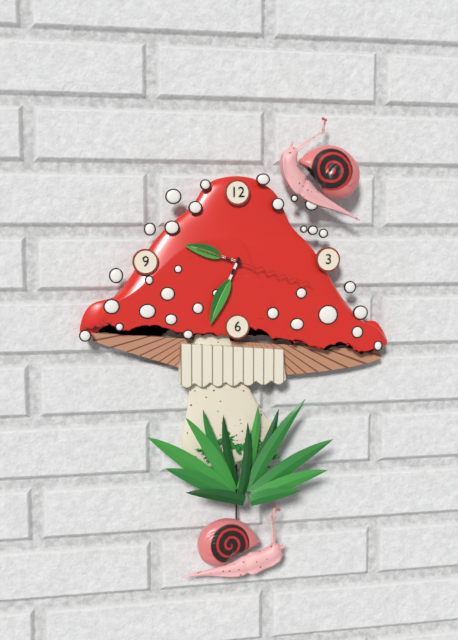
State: 9:34:18
